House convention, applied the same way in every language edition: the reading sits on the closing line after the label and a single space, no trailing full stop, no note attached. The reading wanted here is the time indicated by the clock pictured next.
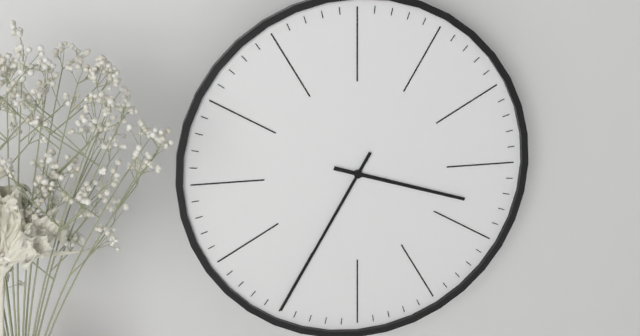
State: 3:35
